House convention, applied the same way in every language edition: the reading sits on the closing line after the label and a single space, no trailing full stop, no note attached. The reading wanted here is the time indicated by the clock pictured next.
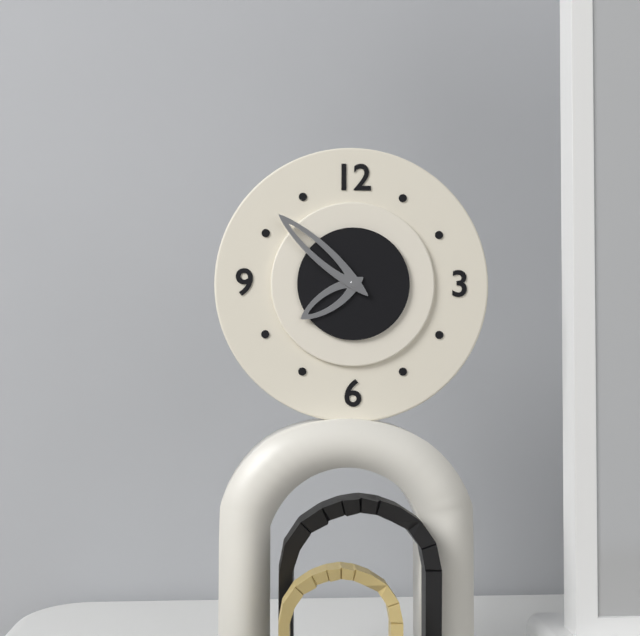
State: 7:52
